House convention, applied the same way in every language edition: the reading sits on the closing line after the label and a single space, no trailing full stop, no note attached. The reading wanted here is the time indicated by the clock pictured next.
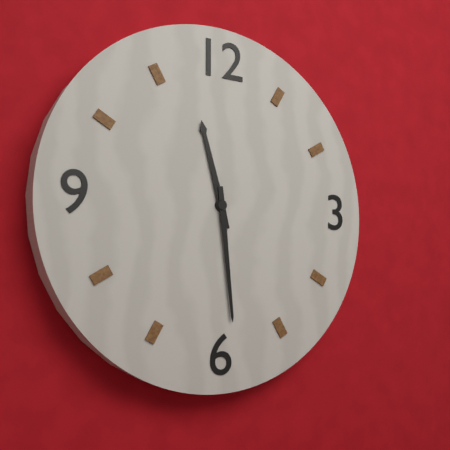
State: 11:29
